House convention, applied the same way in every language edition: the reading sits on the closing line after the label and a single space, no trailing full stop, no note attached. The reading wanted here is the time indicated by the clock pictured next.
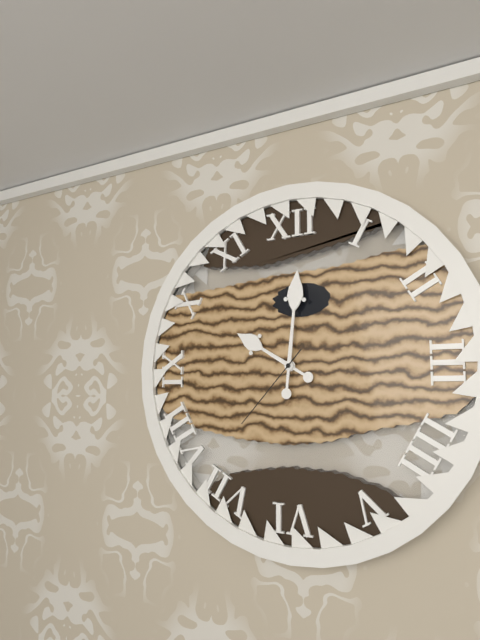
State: 10:01:37
